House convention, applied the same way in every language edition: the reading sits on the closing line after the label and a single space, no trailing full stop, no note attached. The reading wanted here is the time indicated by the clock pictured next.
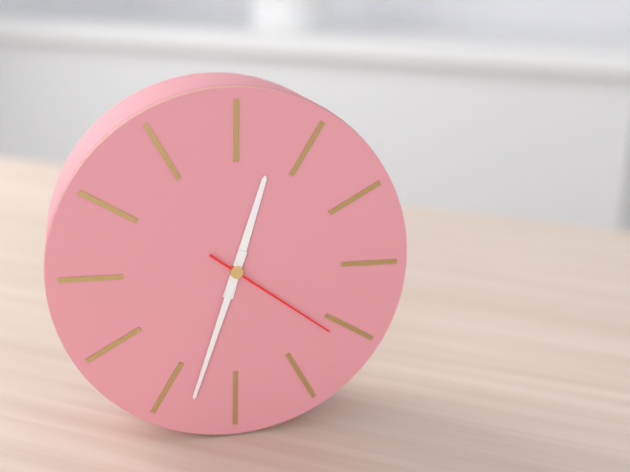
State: 12:33:21
